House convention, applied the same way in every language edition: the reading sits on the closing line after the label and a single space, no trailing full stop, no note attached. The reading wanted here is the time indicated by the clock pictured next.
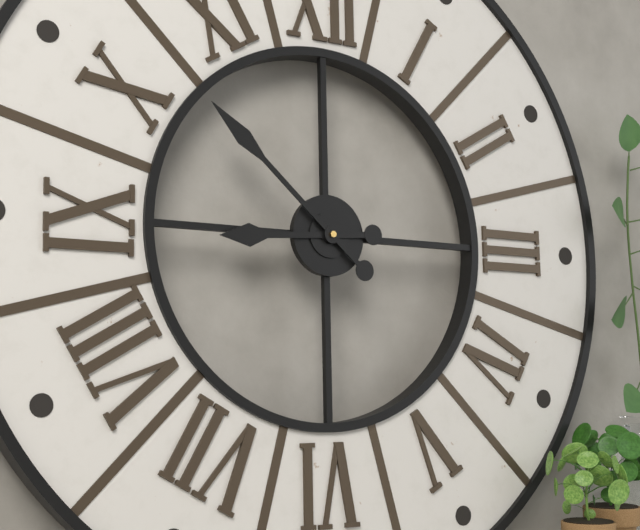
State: 8:52
